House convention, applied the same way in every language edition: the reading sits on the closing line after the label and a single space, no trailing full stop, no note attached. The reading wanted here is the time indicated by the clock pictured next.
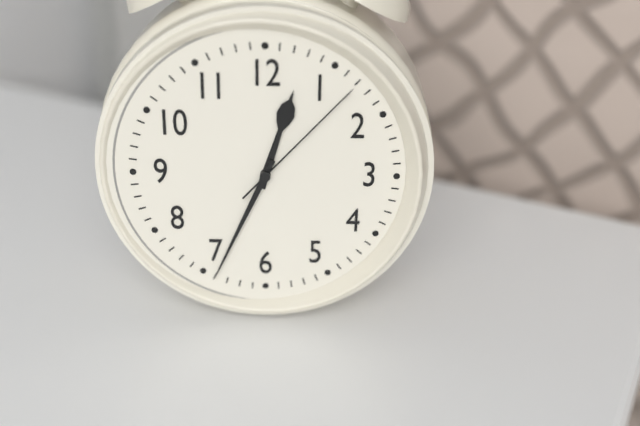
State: 12:34:07
